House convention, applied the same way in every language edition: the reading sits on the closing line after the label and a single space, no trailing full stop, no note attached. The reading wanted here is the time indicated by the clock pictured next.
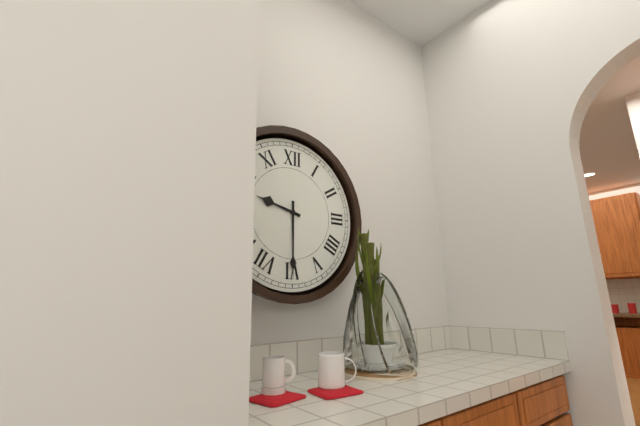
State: 9:30
